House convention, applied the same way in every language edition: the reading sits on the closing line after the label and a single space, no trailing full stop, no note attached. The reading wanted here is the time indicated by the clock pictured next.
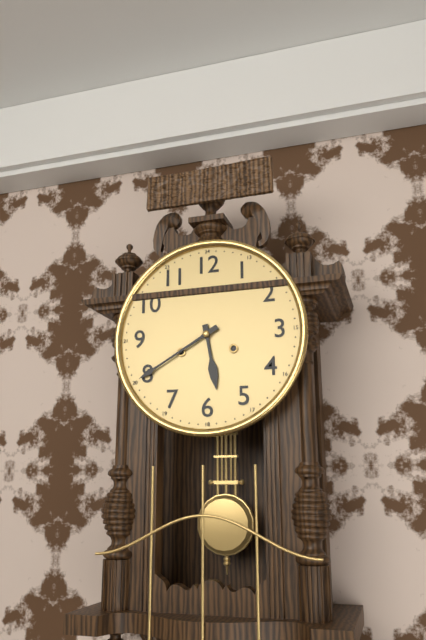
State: 5:40
